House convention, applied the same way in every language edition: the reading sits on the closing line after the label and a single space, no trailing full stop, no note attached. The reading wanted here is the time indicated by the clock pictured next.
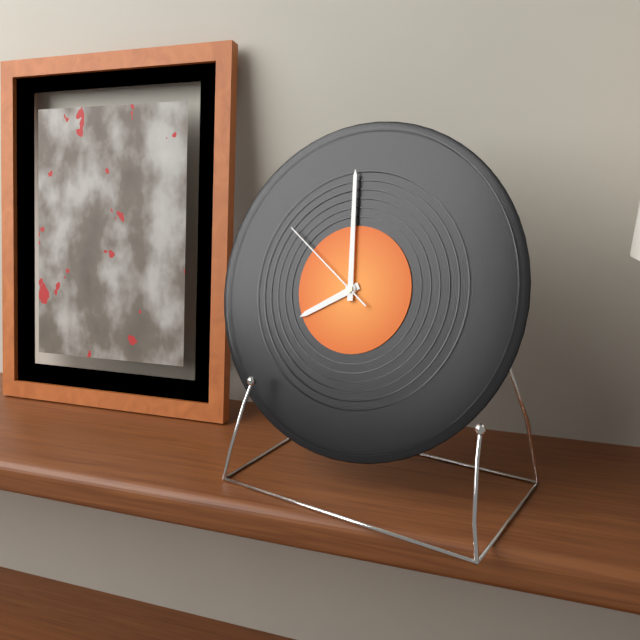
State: 7:59:51
